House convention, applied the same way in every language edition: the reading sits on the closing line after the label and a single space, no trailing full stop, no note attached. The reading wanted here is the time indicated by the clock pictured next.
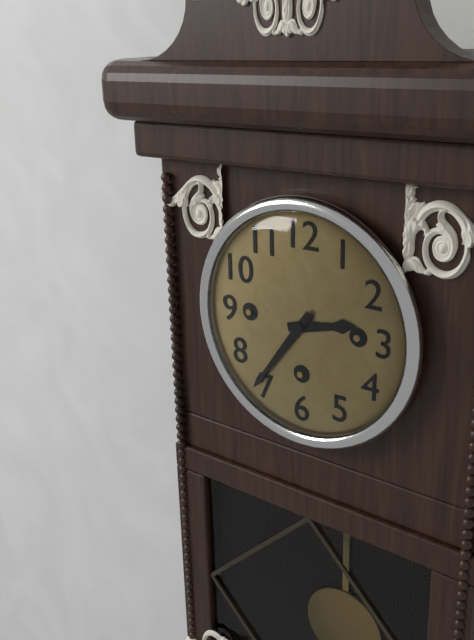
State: 2:36
